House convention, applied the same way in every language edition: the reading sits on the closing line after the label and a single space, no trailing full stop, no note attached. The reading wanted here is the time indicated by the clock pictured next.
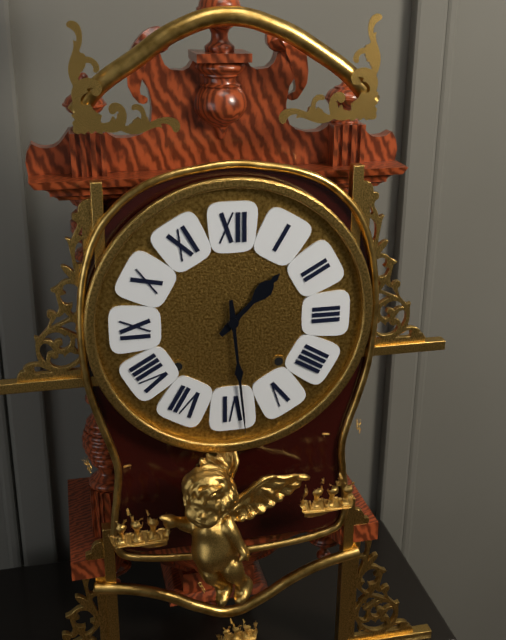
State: 1:29
